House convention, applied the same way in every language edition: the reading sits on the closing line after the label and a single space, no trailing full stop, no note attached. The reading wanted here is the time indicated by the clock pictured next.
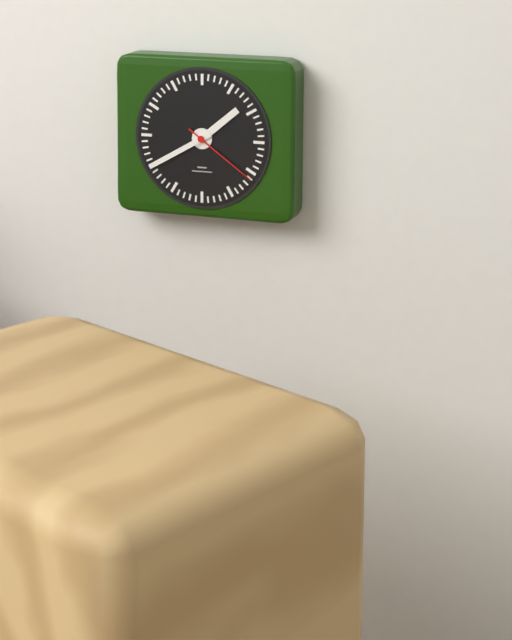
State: 1:40:21
